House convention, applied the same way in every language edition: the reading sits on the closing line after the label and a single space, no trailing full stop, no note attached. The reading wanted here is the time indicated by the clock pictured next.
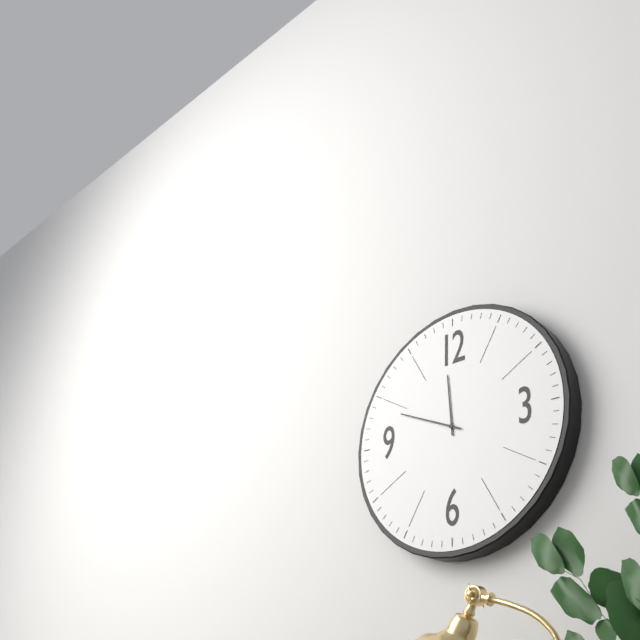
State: 11:49
